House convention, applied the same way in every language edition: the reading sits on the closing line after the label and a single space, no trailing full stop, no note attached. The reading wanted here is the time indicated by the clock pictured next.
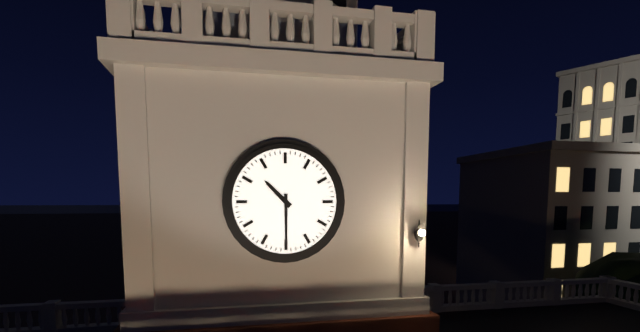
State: 10:30
